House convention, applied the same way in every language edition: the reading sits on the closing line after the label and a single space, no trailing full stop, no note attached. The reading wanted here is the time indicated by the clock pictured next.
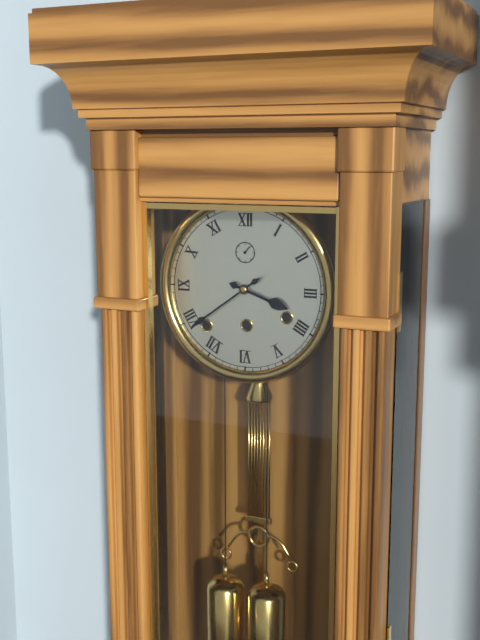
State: 3:39
